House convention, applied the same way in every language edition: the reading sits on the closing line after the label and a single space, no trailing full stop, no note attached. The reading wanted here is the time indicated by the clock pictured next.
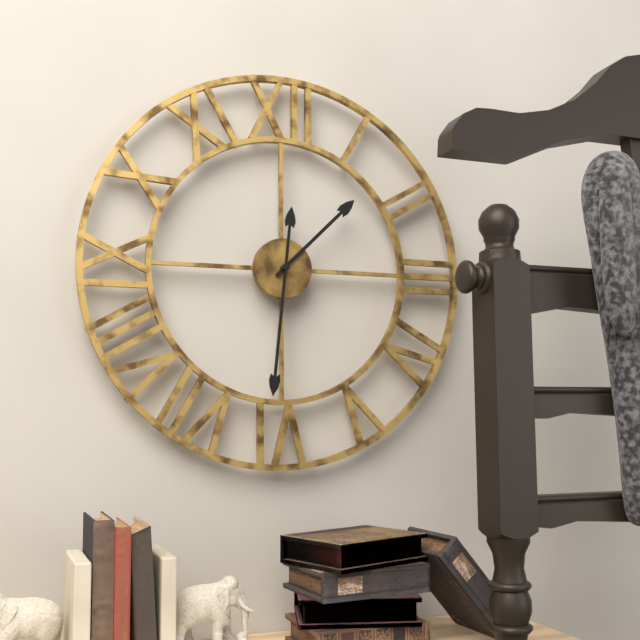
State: 1:31
